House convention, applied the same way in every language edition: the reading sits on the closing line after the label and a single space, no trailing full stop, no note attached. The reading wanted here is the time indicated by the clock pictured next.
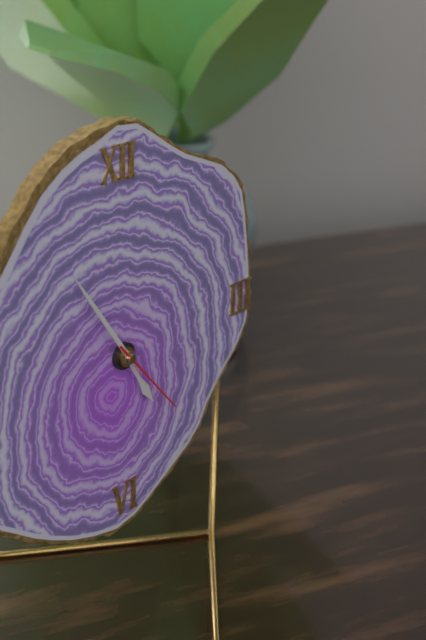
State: 4:54:23
